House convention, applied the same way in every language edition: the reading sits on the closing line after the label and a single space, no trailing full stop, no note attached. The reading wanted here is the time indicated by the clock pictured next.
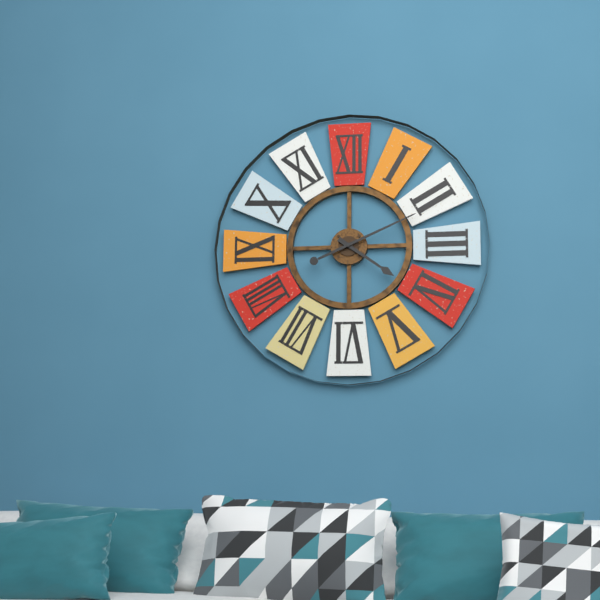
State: 4:11
